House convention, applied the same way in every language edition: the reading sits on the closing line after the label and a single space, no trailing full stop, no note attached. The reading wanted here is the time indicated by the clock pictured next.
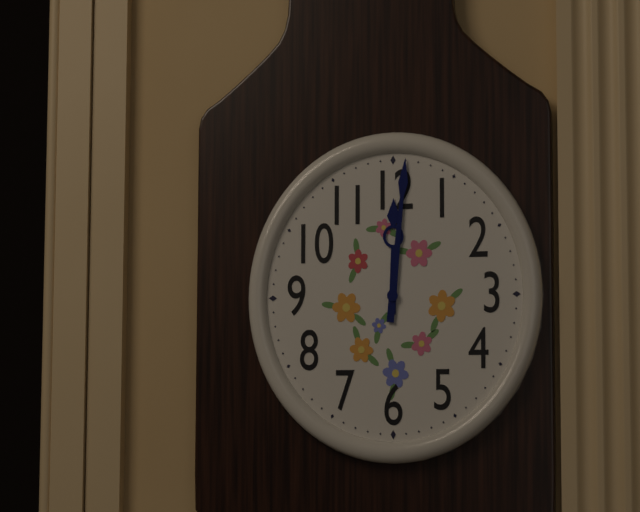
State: 12:01
